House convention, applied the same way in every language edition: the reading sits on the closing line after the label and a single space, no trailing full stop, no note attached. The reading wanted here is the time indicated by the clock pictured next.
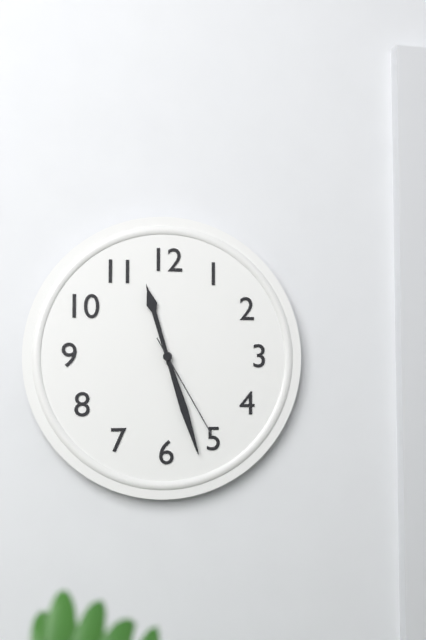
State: 11:27:25
